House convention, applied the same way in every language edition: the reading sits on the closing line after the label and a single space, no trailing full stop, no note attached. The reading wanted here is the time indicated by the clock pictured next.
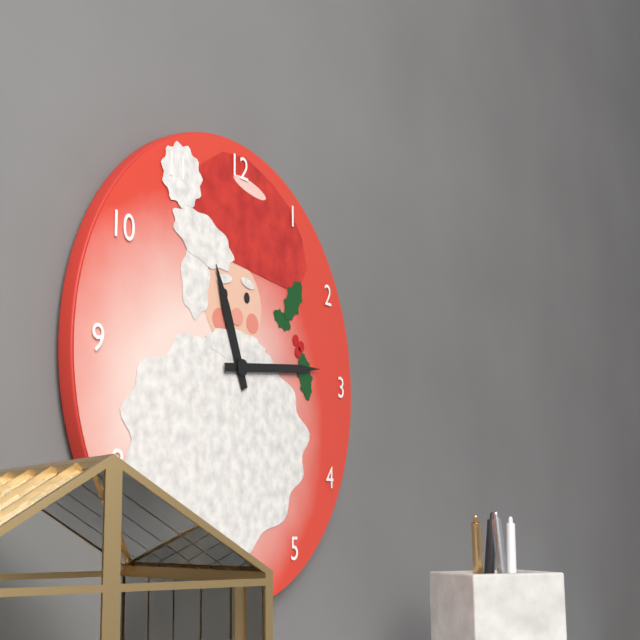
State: 11:14
